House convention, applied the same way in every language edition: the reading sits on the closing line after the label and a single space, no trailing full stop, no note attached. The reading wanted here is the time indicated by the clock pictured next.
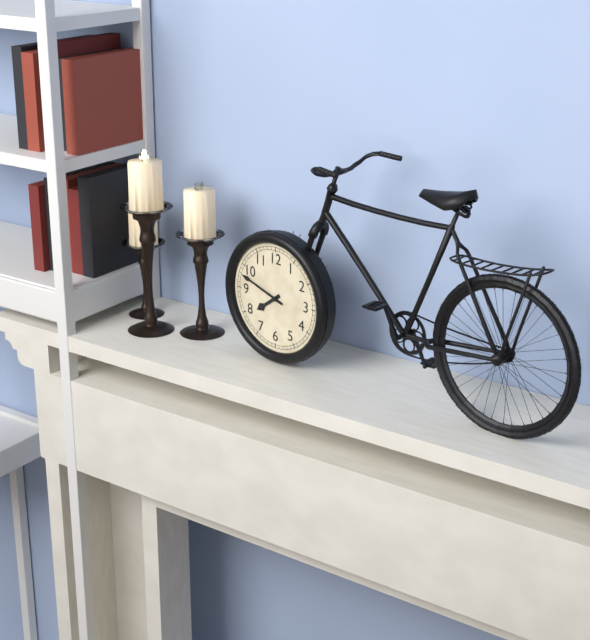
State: 7:48
